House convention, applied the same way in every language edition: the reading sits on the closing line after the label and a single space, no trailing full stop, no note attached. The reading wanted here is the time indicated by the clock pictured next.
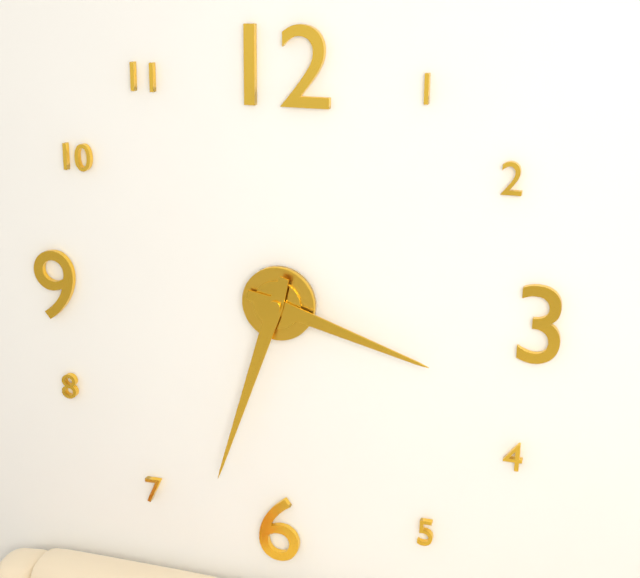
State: 3:33
